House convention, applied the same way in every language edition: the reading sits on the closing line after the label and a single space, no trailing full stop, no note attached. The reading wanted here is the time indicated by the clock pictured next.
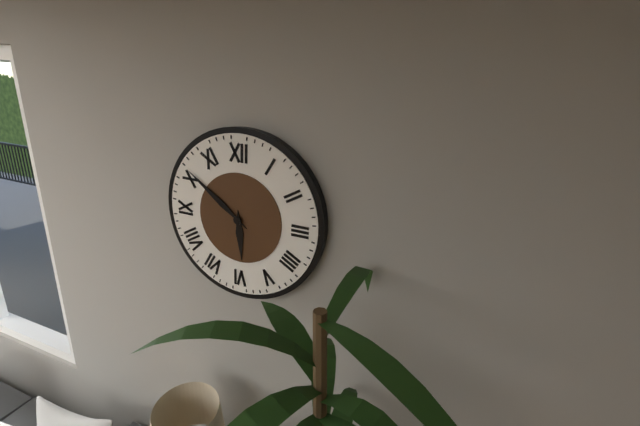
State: 5:51
